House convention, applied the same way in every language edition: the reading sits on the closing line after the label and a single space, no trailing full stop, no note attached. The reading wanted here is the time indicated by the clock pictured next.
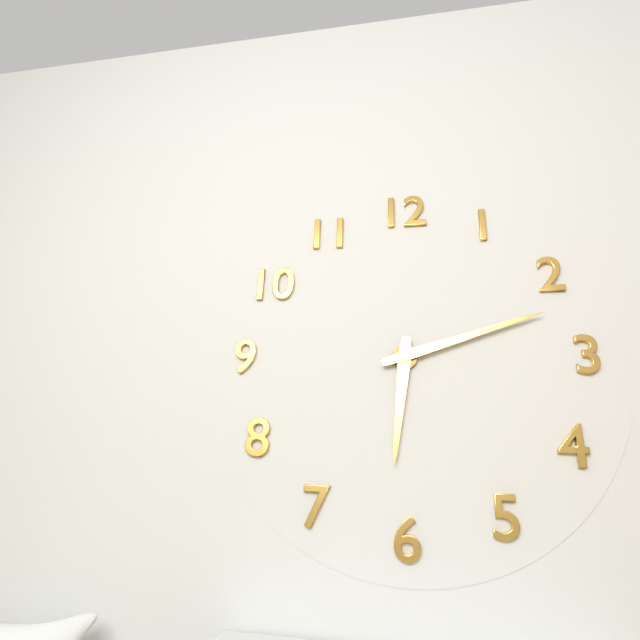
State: 6:12
